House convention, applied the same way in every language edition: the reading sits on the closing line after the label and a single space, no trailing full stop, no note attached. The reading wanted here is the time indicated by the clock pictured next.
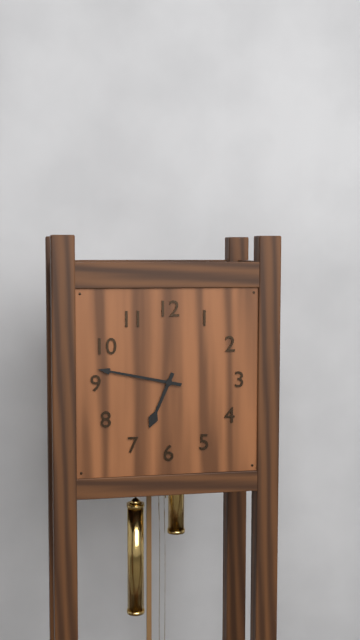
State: 6:47
